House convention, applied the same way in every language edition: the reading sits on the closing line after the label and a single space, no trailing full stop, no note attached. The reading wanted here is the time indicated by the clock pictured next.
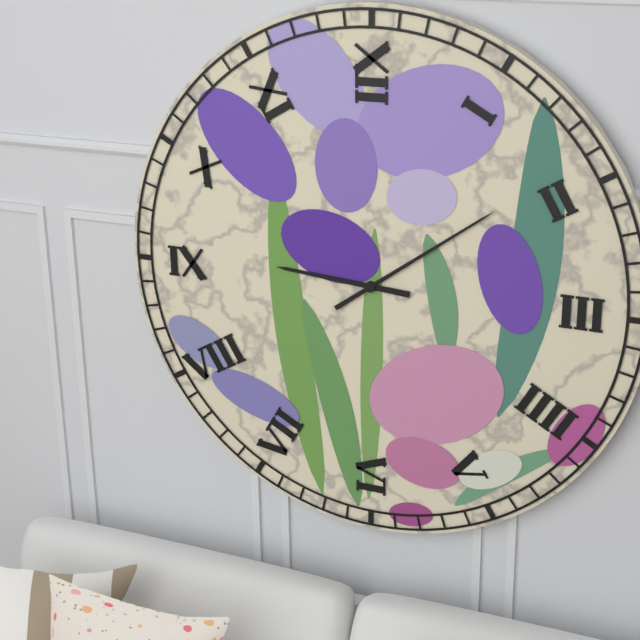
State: 9:09
